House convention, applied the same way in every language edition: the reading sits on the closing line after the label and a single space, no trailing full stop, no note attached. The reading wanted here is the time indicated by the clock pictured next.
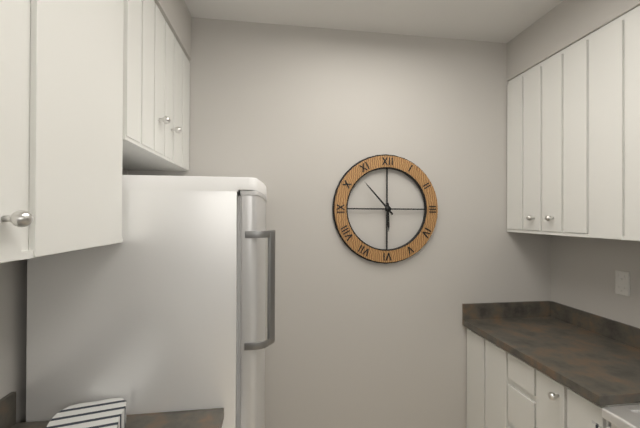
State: 5:53
